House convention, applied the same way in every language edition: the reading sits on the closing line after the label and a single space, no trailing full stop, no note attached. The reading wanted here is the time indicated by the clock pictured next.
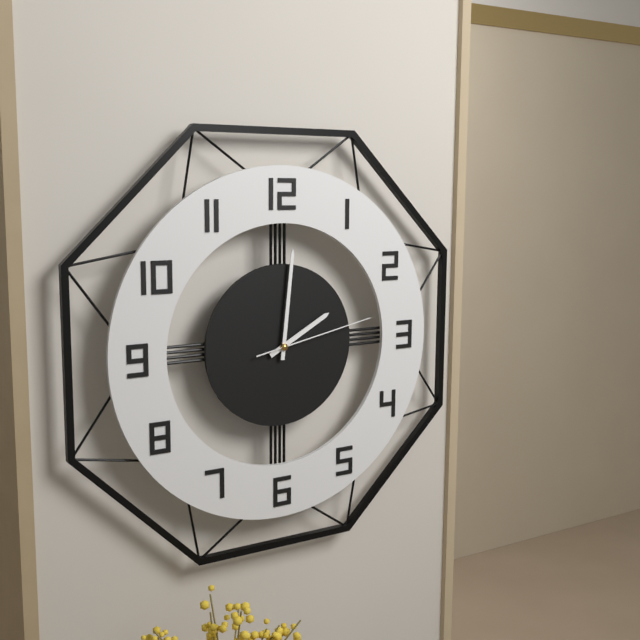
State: 2:01:13
